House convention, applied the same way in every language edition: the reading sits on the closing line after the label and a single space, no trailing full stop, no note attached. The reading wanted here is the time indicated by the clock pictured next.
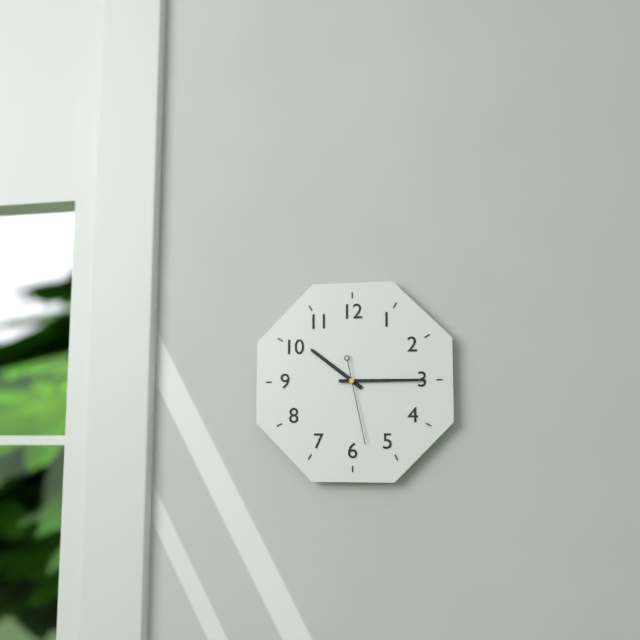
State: 10:15:28
